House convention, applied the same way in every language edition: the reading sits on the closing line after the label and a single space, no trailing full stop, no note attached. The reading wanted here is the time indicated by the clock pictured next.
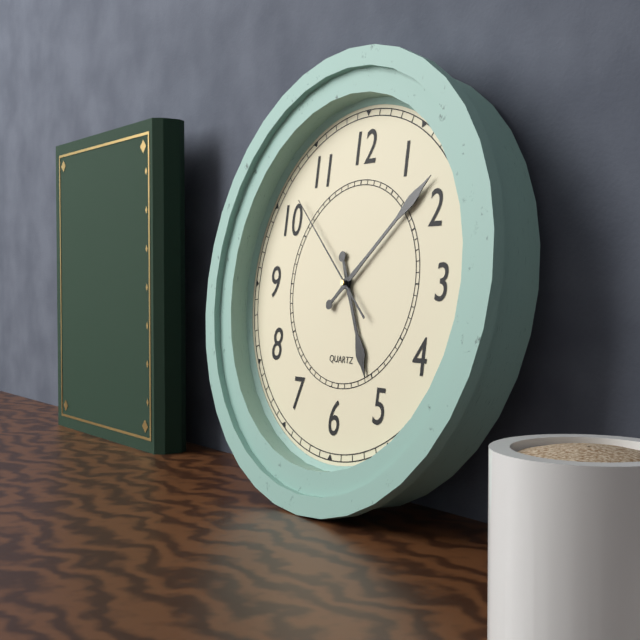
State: 5:08:52
